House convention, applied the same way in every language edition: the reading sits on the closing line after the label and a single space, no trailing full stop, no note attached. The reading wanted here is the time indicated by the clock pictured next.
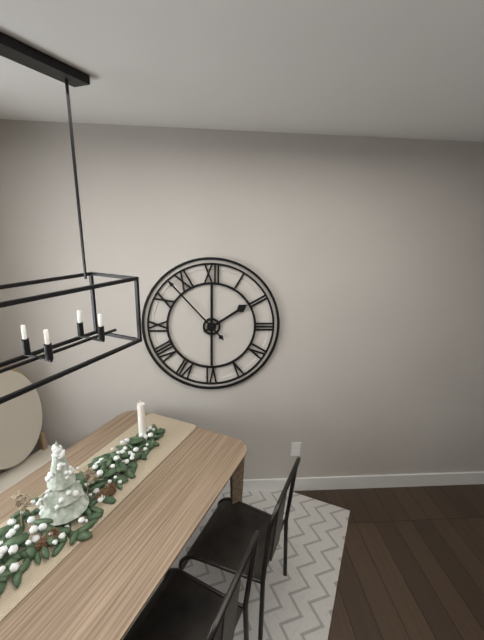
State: 1:53
